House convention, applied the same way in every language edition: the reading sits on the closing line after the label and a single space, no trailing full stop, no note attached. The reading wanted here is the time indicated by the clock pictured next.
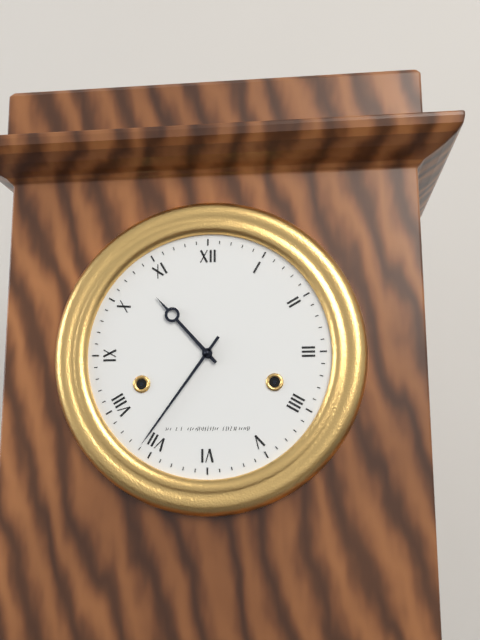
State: 10:36
